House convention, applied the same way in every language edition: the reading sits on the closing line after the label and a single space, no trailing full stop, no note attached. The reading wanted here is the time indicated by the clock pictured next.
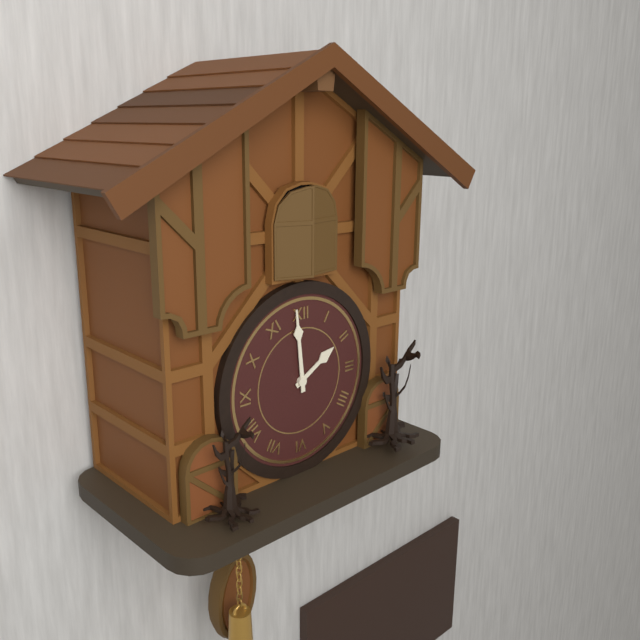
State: 1:59
